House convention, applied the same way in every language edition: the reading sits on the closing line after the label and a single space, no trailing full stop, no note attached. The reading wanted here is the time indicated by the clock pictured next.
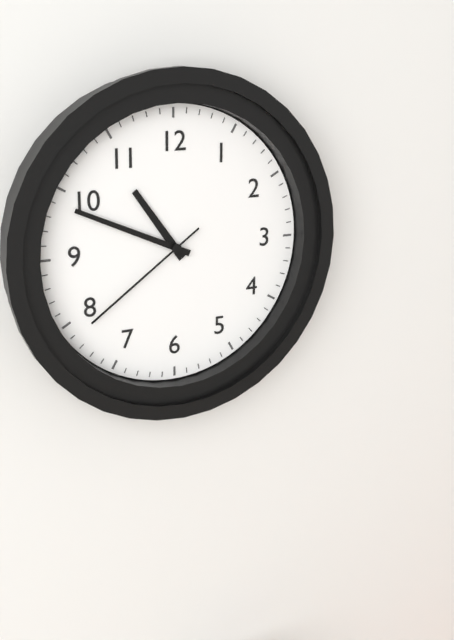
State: 10:49:39
